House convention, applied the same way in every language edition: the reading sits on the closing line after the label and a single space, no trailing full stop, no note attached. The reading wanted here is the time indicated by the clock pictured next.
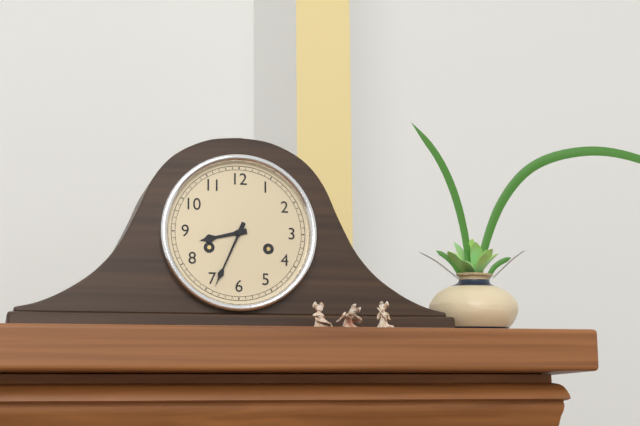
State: 8:34
